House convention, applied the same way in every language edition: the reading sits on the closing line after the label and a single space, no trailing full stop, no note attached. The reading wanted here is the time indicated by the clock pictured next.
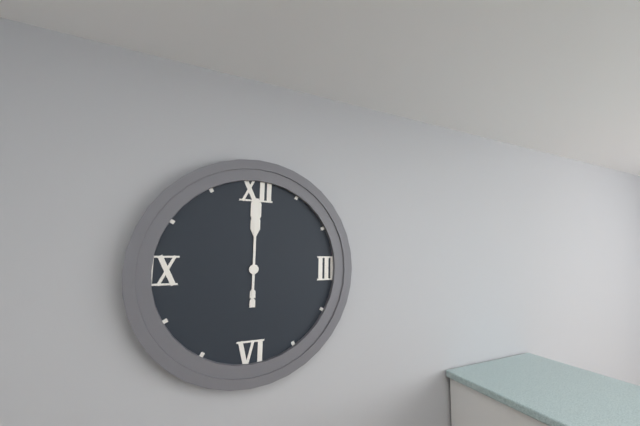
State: 12:00
